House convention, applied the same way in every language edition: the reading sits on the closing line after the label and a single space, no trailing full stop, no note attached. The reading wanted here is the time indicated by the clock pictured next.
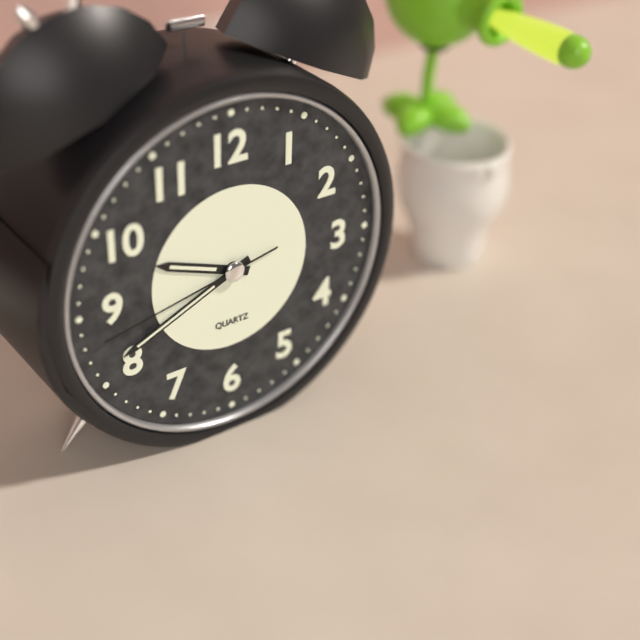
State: 9:41:43
